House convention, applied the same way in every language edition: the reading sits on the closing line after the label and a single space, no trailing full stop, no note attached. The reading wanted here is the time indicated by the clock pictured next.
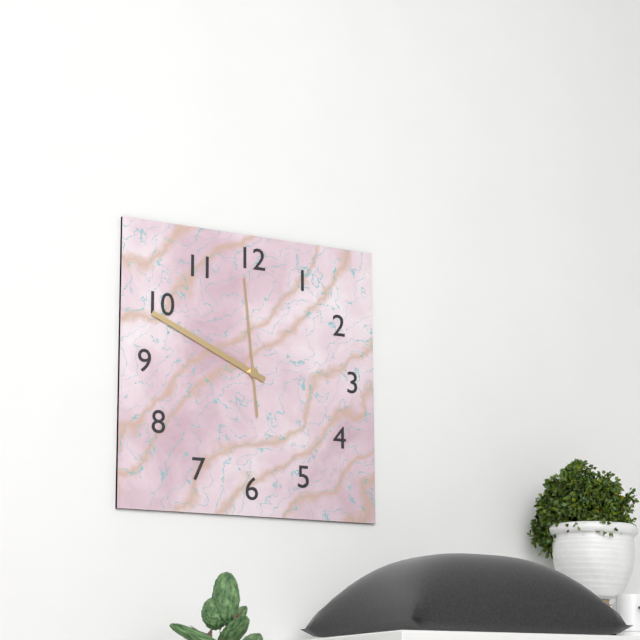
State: 9:49:59
